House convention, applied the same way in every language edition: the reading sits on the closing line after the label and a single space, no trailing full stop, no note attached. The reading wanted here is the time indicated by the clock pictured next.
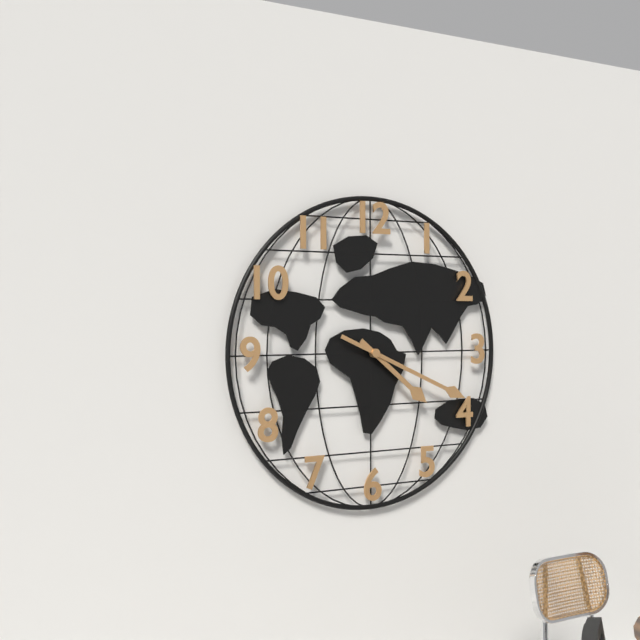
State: 4:19
